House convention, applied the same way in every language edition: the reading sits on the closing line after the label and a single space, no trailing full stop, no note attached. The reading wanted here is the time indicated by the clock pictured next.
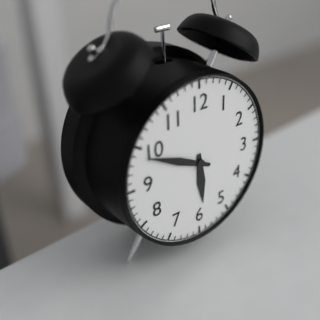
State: 5:49
